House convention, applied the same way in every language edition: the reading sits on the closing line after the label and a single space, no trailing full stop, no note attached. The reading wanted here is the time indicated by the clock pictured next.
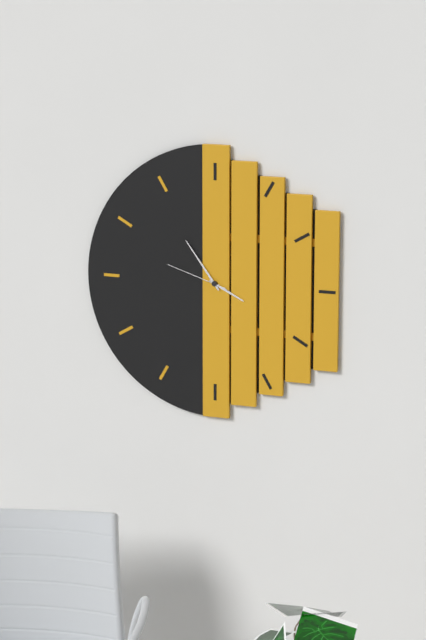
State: 3:54:48
